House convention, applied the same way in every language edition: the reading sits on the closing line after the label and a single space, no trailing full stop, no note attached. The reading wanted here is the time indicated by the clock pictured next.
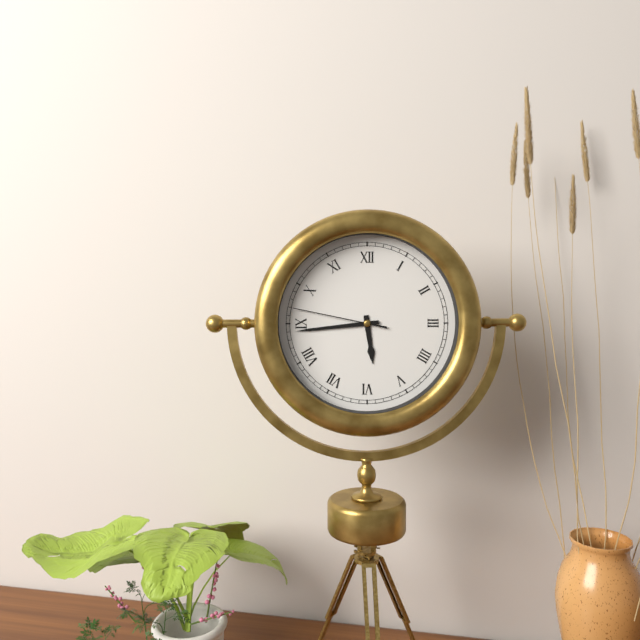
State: 5:44:47
